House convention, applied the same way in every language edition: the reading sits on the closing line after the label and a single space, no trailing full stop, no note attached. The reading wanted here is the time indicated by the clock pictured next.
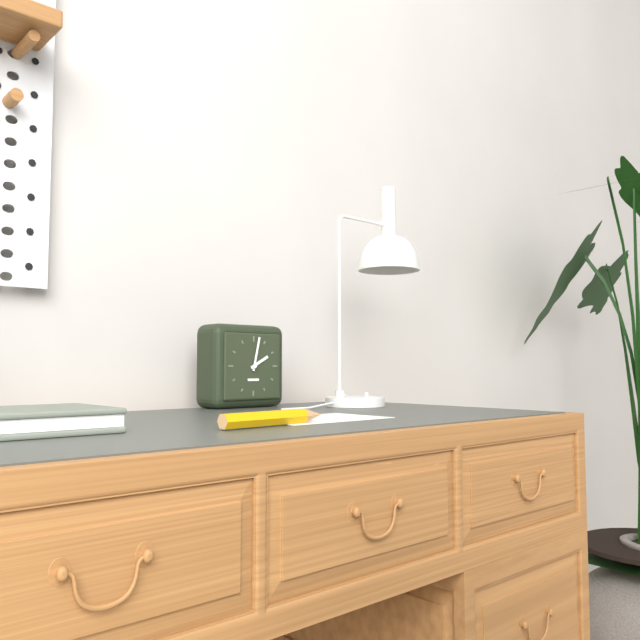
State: 2:02
